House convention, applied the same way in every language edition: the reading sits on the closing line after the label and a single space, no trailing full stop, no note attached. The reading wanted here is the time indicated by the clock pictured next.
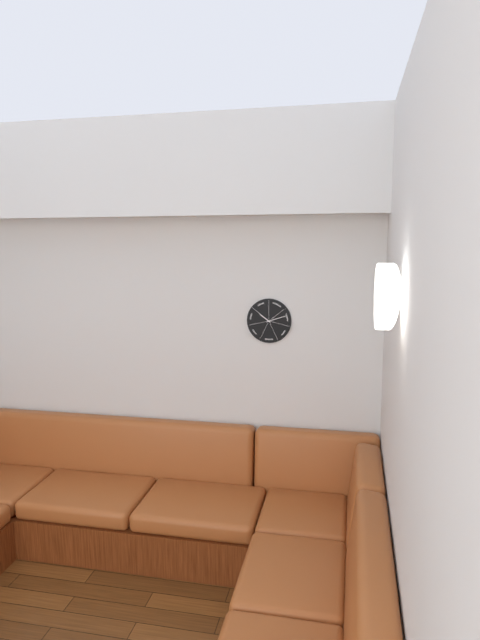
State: 10:12
